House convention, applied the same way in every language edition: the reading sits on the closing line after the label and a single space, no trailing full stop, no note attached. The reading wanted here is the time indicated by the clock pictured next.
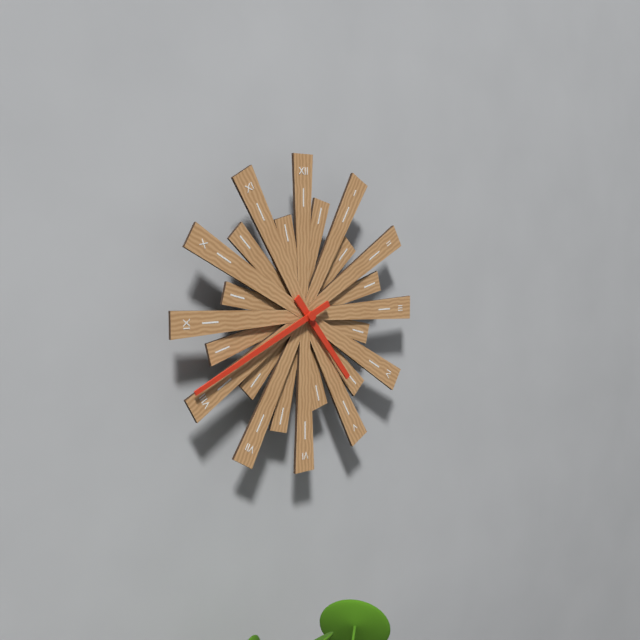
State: 4:41
